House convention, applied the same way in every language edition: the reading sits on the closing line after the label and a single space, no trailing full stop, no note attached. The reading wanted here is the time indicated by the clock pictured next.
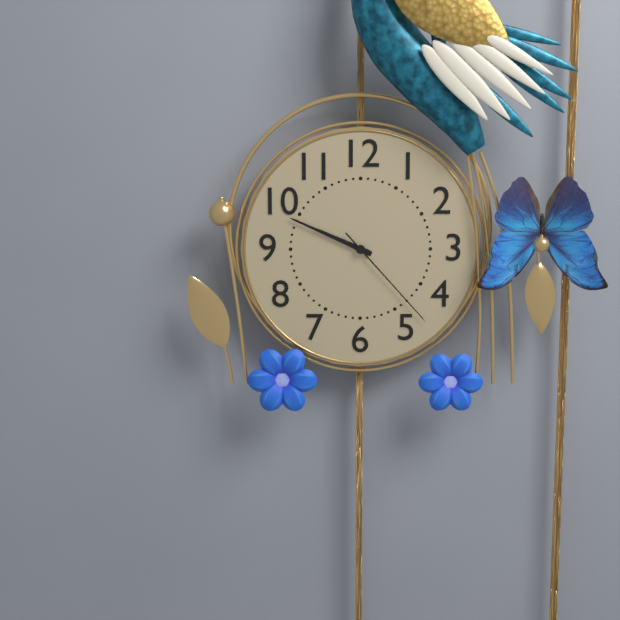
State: 9:49:23
